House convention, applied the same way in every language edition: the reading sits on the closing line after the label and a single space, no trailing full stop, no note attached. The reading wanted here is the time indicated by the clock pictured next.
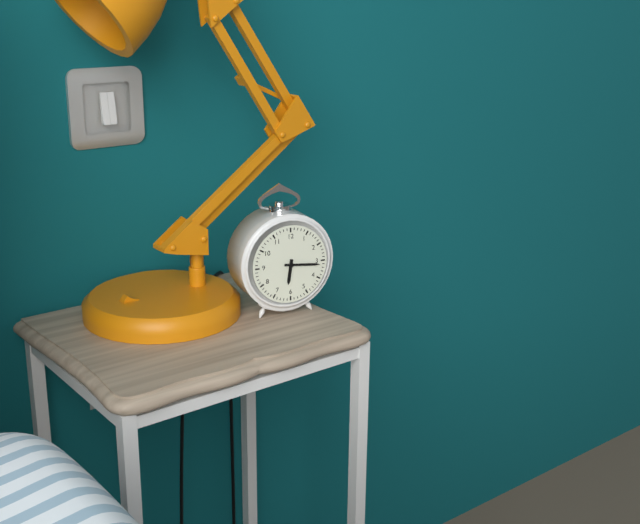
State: 6:16
